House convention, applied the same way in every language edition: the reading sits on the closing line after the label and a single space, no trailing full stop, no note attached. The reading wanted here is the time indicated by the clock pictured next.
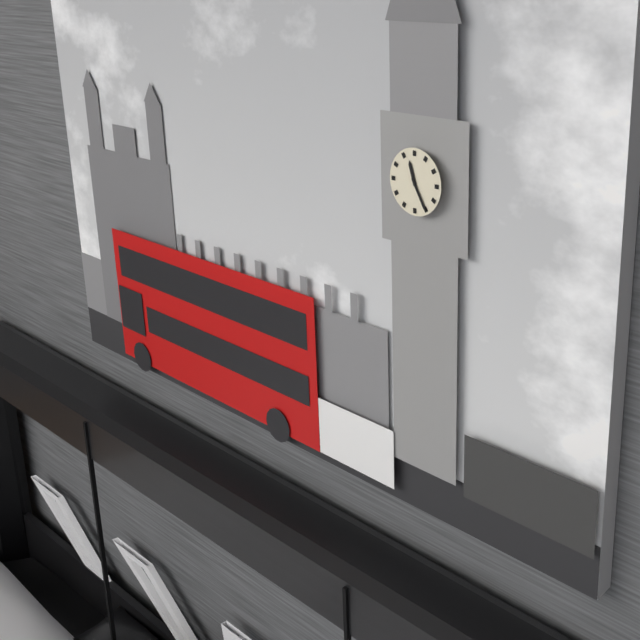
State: 11:25
